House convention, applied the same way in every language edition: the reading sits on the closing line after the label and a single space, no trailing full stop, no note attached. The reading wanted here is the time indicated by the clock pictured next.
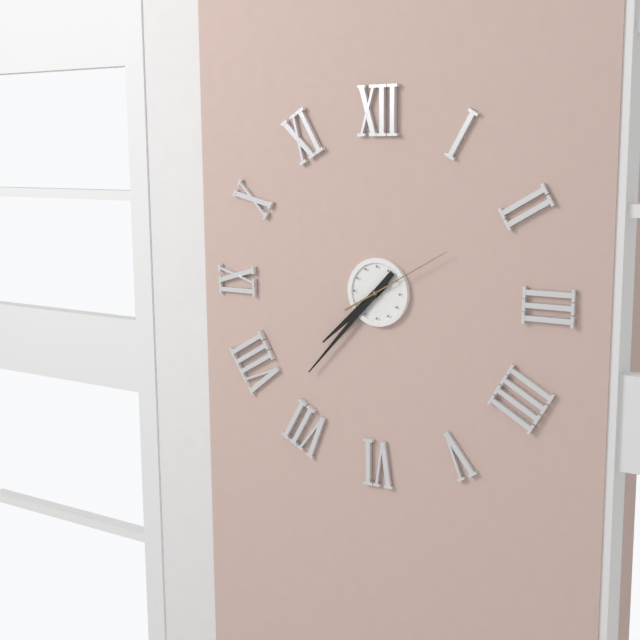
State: 7:37:10
